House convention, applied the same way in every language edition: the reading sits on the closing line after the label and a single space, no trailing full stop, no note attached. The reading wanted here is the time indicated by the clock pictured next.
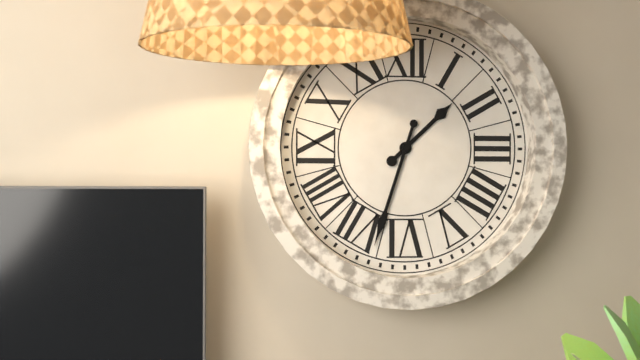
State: 1:33
